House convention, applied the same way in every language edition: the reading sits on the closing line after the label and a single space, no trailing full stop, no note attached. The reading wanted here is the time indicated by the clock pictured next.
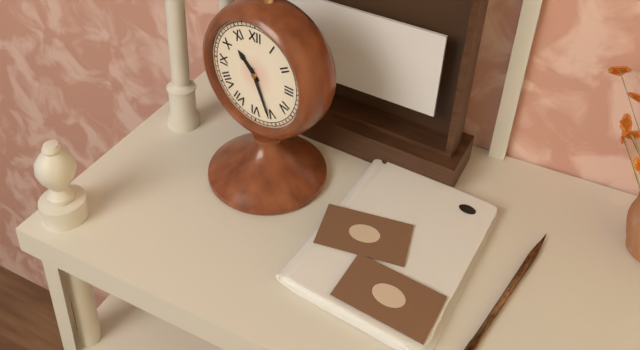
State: 10:26
